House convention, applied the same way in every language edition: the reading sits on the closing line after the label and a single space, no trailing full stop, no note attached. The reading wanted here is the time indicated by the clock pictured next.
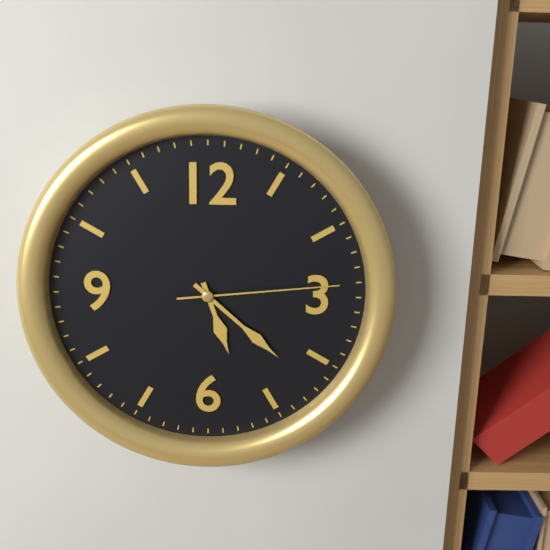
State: 5:22:14
